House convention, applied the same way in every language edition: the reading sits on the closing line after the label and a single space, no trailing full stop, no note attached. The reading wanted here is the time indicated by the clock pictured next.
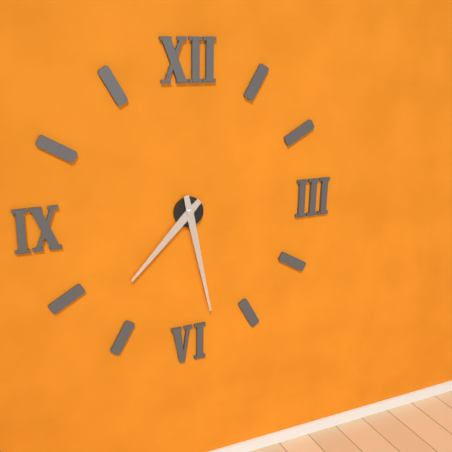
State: 7:28
